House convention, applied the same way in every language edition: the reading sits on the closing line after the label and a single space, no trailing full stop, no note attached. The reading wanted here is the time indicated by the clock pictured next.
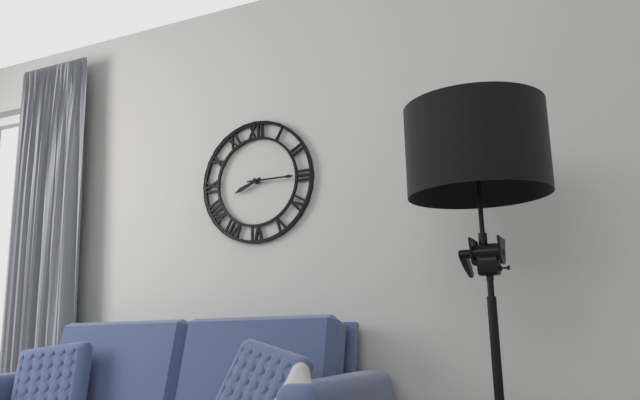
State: 8:15
